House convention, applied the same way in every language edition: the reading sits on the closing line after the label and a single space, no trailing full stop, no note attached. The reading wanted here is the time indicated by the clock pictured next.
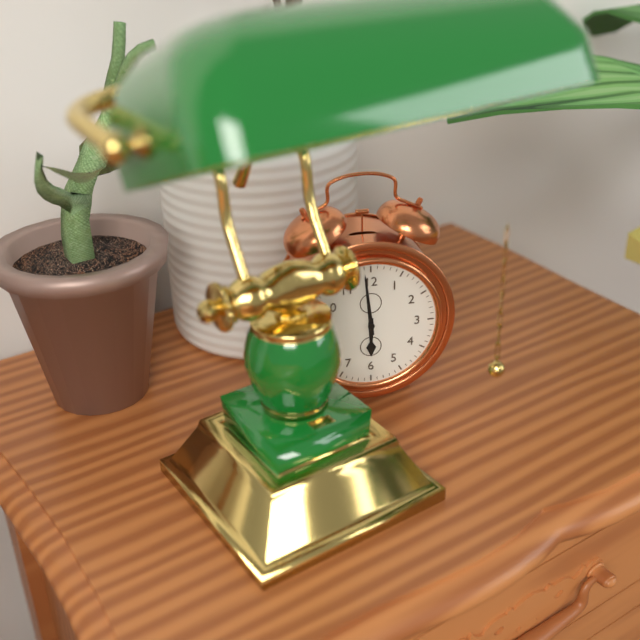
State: 5:59
